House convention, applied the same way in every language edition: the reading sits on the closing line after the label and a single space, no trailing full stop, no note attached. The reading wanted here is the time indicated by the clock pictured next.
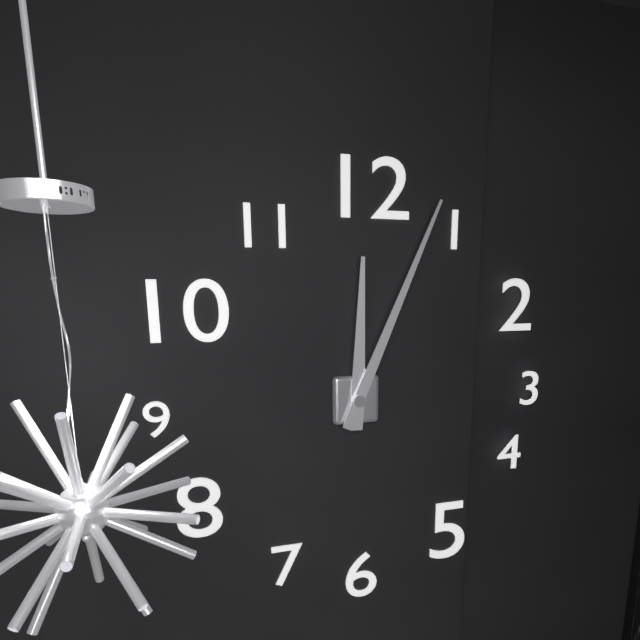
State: 12:04
